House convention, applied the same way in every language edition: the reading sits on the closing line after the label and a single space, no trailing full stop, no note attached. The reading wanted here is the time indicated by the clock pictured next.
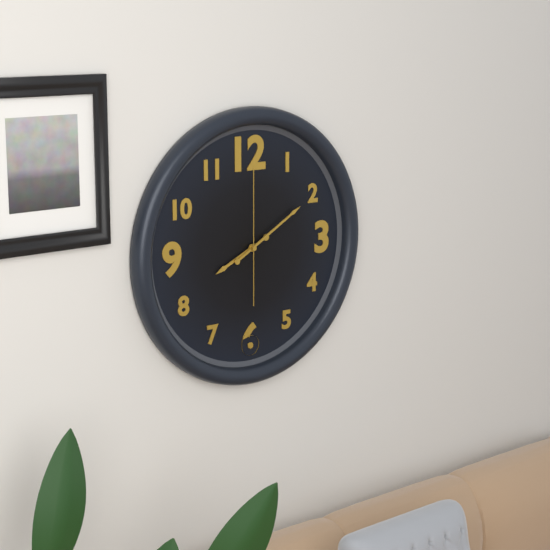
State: 8:10:00
